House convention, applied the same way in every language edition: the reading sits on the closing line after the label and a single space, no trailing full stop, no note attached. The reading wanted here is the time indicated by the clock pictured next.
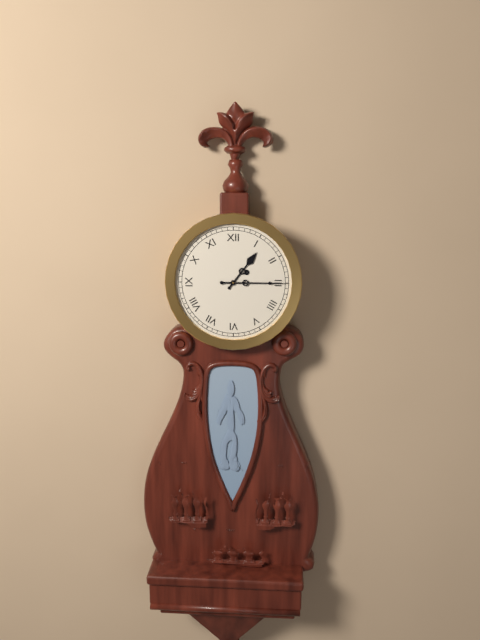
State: 1:15
